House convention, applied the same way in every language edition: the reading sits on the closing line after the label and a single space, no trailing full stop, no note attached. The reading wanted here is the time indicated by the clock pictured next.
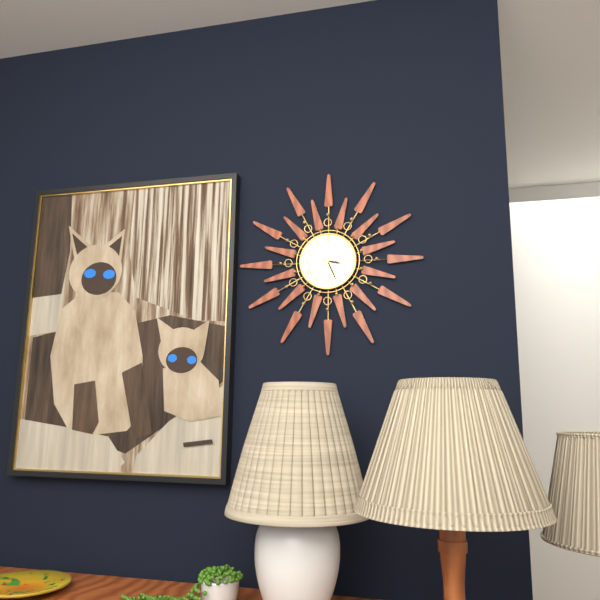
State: 3:26
